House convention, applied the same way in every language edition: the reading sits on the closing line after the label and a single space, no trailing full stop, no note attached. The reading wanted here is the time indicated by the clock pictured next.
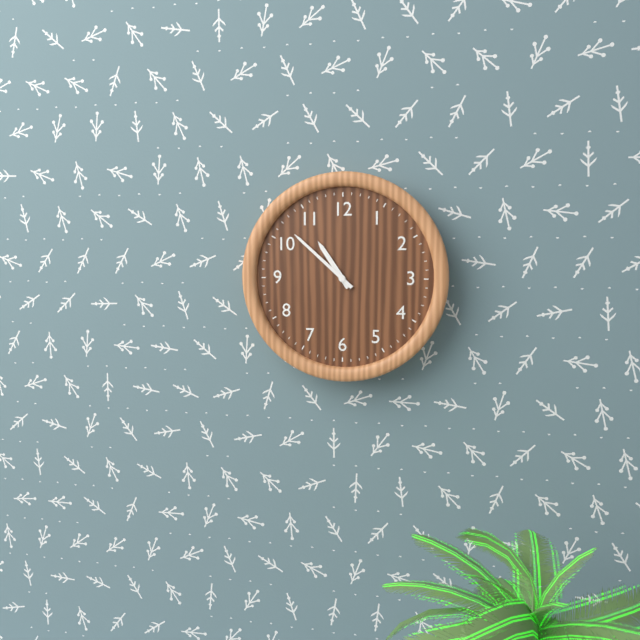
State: 10:52
